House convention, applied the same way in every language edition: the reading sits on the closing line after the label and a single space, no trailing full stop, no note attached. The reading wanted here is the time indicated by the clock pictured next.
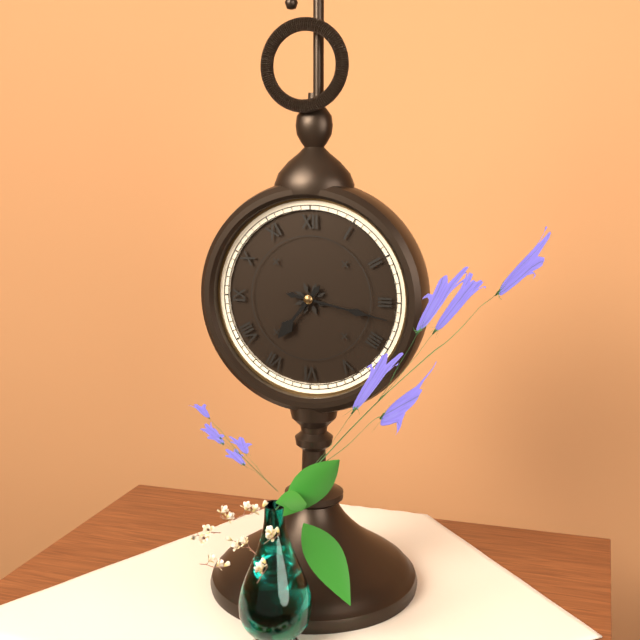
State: 7:17
